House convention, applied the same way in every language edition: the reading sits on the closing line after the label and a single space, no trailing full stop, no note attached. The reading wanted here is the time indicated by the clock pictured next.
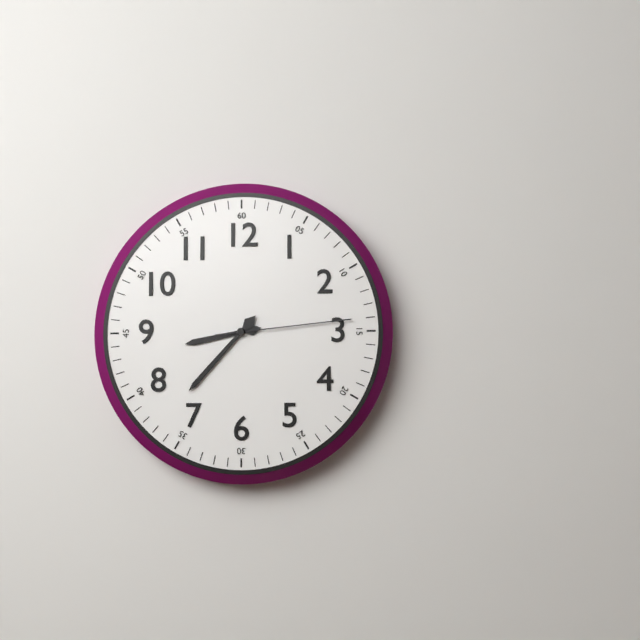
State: 8:37:14
